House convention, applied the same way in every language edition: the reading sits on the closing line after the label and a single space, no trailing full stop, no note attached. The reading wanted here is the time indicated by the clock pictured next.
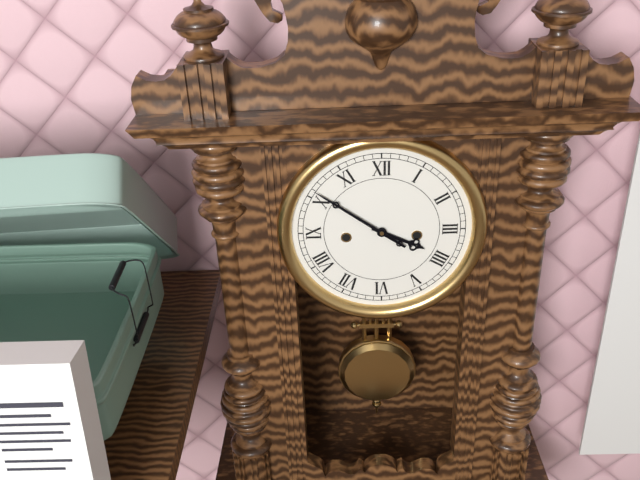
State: 3:51
